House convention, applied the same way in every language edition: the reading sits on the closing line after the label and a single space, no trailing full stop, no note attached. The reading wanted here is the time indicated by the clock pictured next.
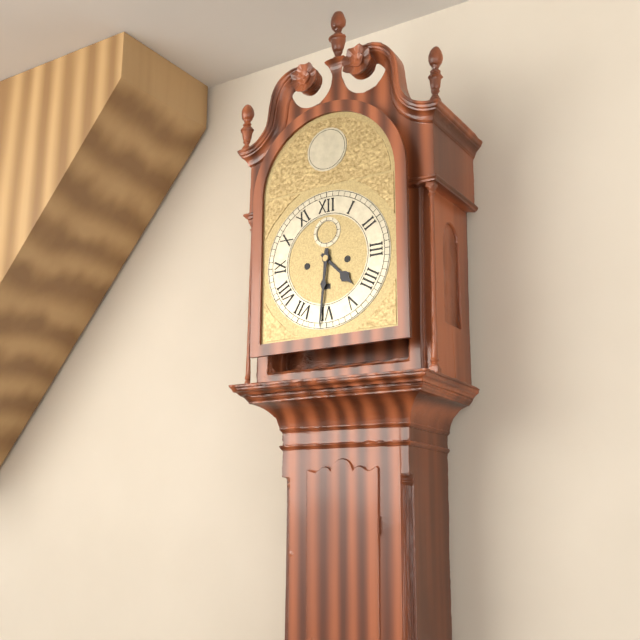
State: 4:31
